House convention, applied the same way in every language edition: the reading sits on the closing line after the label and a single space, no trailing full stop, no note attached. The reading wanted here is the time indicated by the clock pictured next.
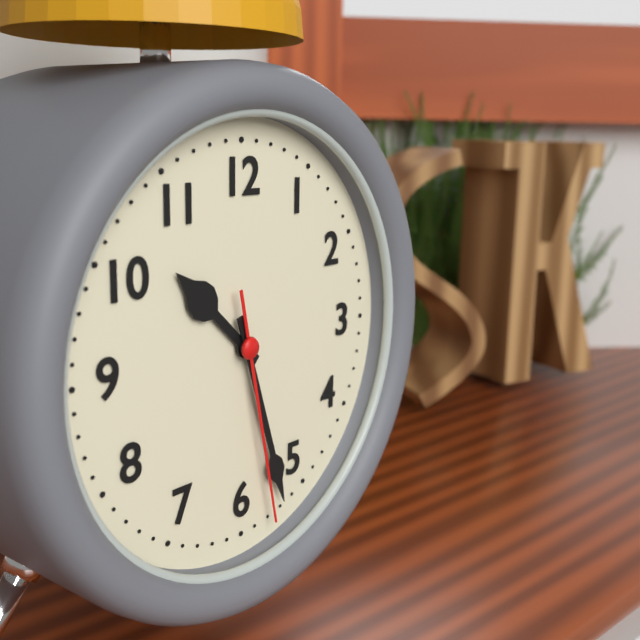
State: 10:27:28
